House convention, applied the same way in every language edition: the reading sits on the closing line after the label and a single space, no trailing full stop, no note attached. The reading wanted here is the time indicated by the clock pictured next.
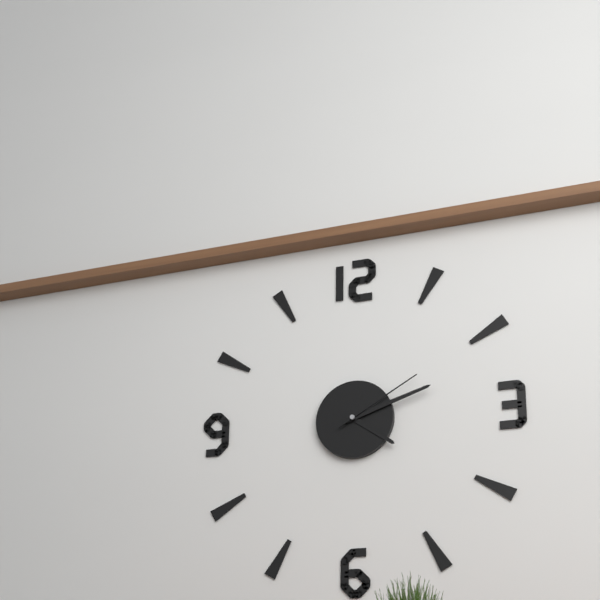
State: 4:12:10
